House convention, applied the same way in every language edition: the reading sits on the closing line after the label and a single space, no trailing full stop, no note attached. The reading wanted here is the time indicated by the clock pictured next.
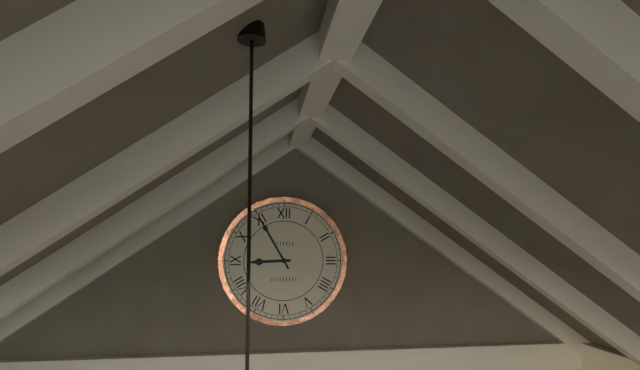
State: 8:55
